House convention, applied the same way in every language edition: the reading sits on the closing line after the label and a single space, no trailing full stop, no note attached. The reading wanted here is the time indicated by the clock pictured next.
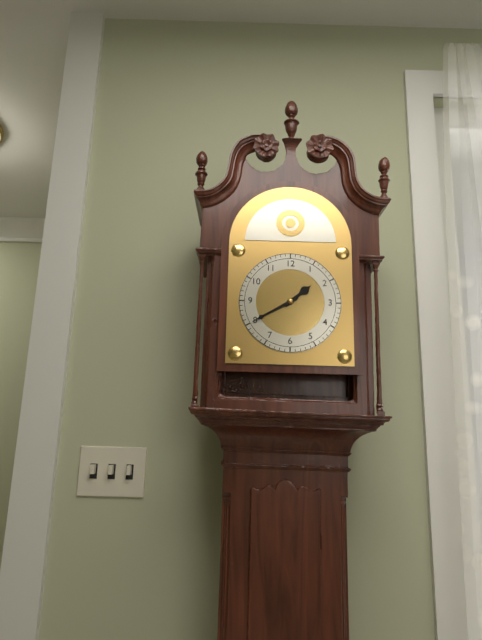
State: 1:40
